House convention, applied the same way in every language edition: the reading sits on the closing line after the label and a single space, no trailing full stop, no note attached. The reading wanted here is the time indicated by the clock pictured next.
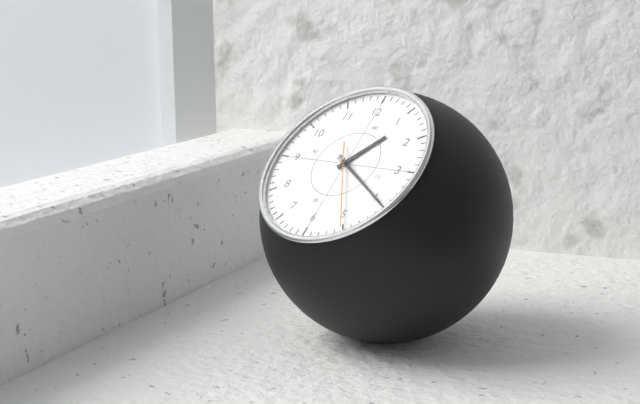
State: 1:20:25
